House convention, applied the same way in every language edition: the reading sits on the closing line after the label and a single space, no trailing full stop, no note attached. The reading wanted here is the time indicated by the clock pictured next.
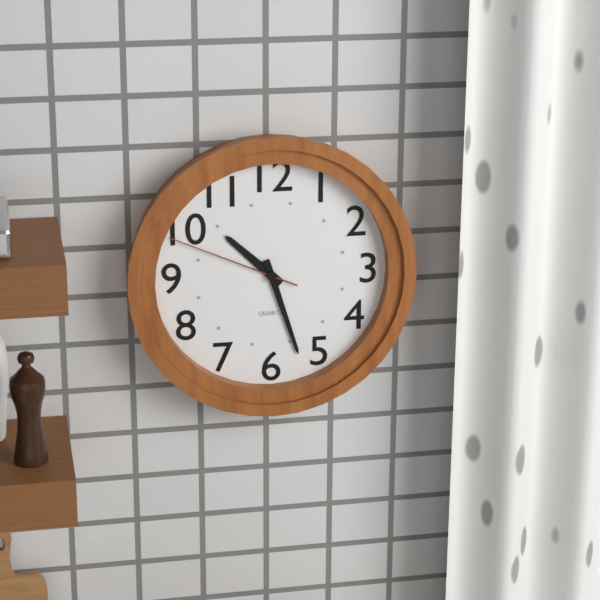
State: 10:27:49
